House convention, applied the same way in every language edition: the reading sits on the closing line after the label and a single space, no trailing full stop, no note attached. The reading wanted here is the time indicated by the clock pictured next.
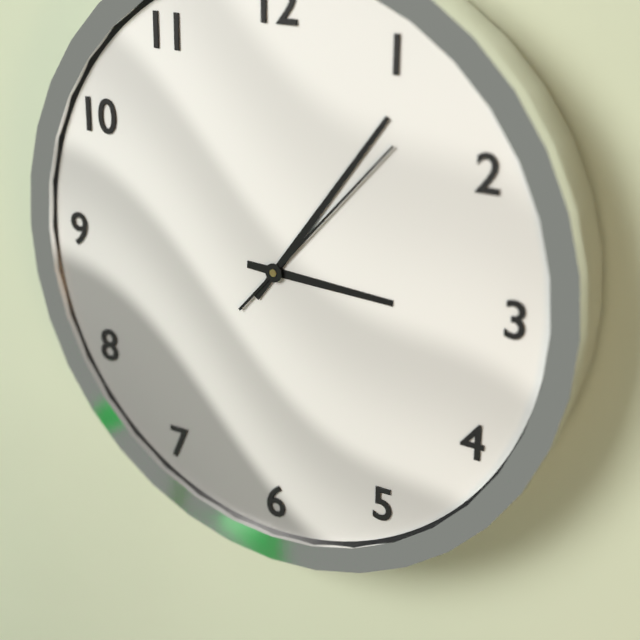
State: 3:06:07
